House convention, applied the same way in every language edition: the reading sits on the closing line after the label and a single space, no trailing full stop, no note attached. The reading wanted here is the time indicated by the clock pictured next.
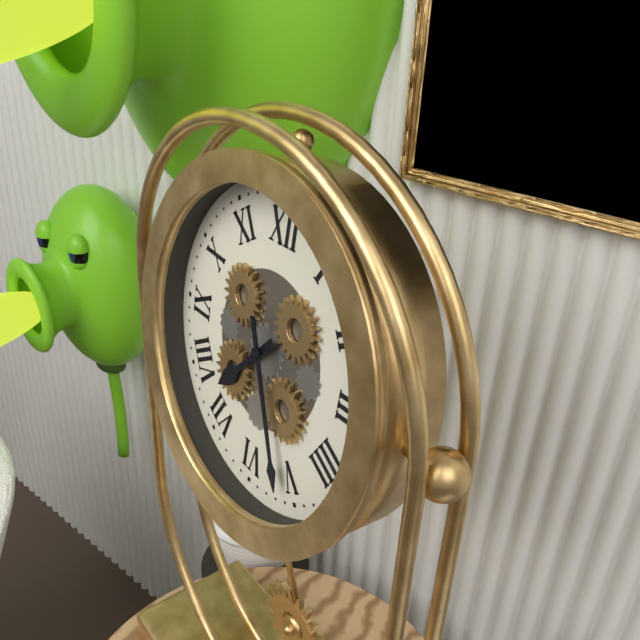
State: 7:26
